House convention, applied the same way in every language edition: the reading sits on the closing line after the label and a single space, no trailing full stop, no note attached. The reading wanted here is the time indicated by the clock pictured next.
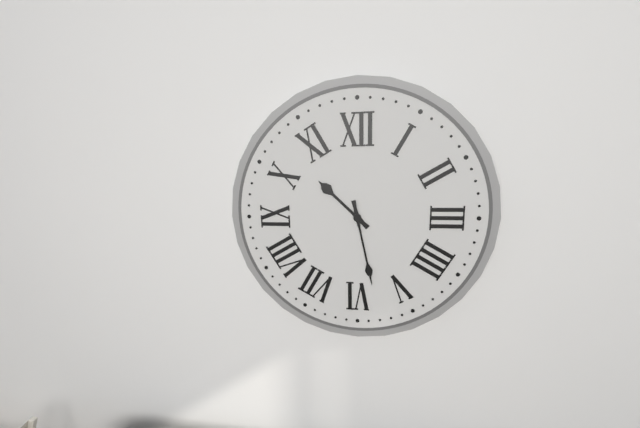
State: 10:28
